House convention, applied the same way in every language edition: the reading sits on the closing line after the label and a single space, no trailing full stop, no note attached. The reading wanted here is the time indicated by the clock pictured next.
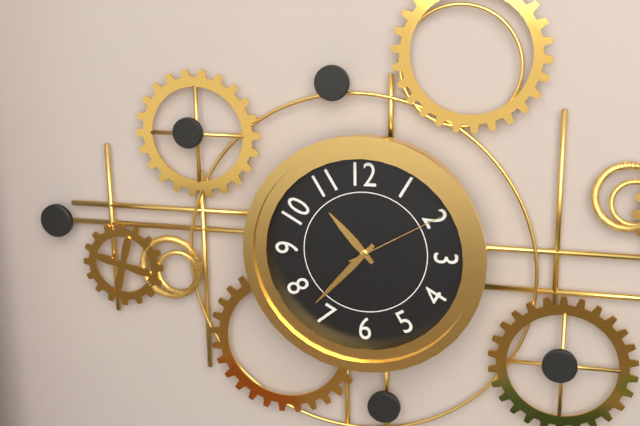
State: 10:37:10
